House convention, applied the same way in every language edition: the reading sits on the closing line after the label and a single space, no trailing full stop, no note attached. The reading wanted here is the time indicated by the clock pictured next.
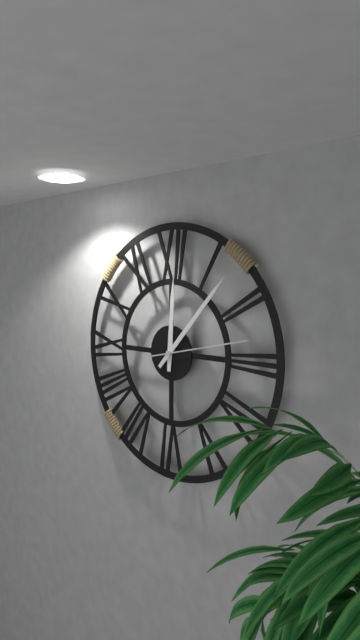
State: 12:07:13
